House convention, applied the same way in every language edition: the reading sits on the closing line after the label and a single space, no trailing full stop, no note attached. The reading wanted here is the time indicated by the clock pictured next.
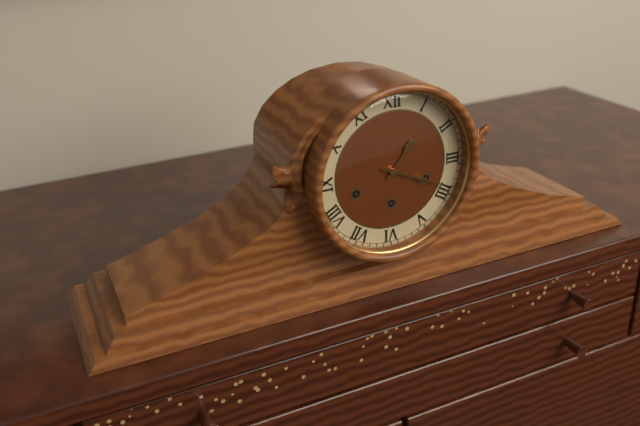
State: 1:19
